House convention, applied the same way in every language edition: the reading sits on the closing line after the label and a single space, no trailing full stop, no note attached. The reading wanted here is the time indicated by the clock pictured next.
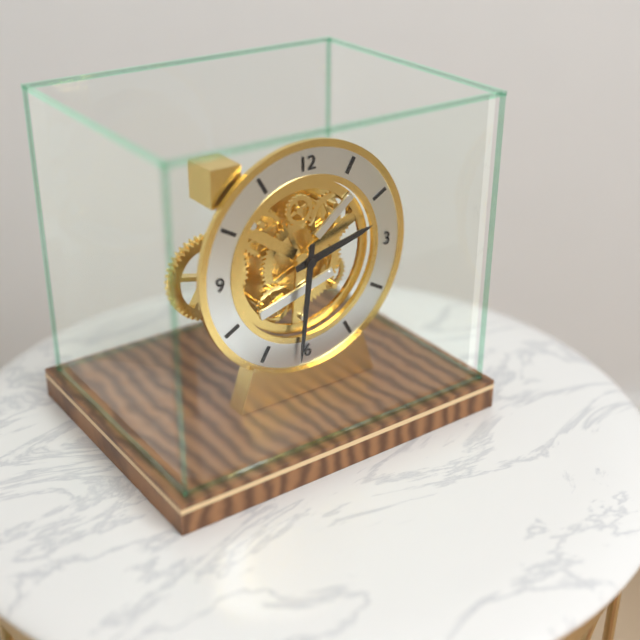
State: 2:31
